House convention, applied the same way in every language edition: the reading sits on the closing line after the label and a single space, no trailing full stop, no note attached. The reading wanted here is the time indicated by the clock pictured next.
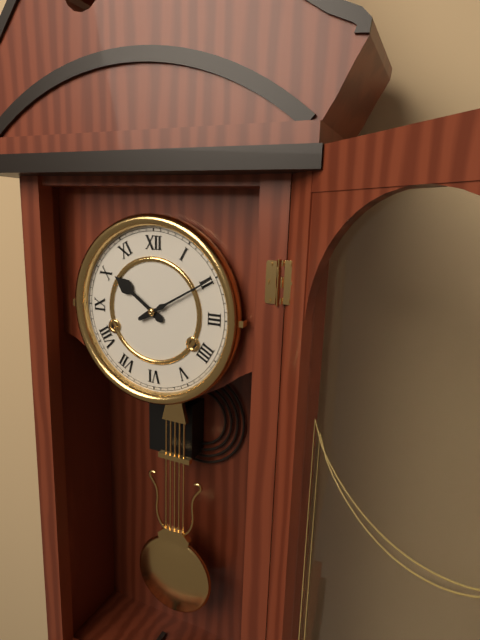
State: 10:10
